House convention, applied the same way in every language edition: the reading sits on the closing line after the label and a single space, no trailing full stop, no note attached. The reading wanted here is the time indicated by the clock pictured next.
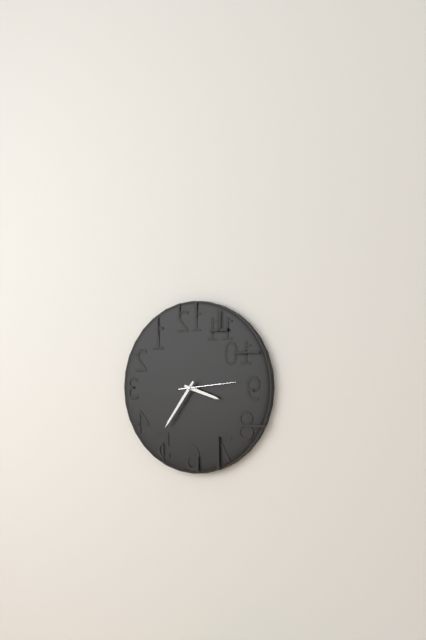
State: 3:36
